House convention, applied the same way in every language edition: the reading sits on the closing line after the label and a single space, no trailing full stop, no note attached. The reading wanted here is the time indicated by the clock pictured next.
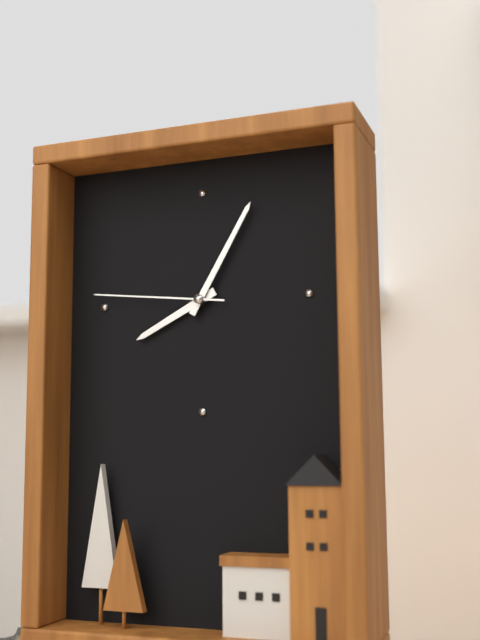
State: 8:05:46
